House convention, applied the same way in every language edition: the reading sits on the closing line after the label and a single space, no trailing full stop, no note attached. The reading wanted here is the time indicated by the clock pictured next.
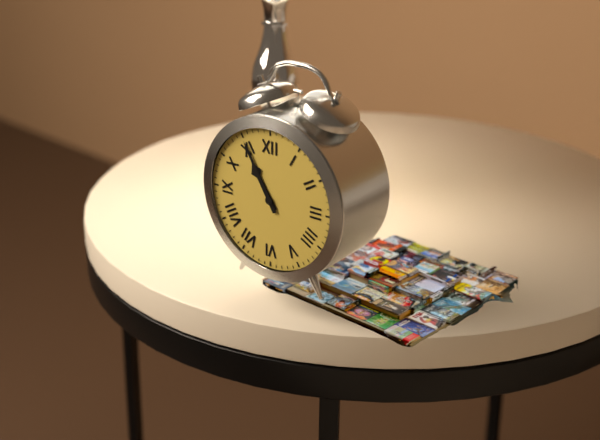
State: 10:55
